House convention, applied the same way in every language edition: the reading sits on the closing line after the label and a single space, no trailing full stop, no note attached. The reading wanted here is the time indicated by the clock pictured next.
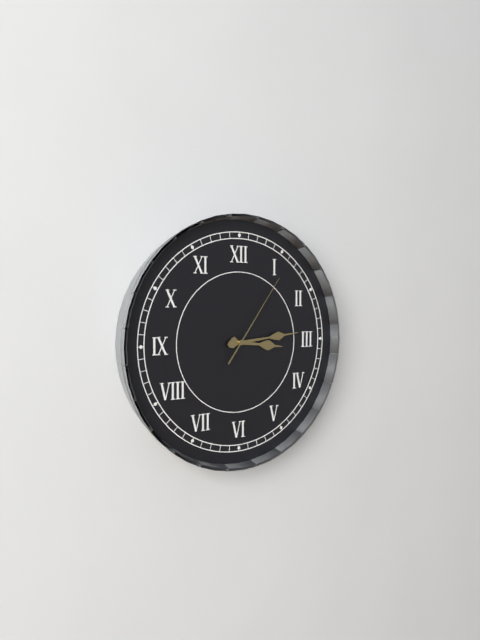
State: 3:14:06
